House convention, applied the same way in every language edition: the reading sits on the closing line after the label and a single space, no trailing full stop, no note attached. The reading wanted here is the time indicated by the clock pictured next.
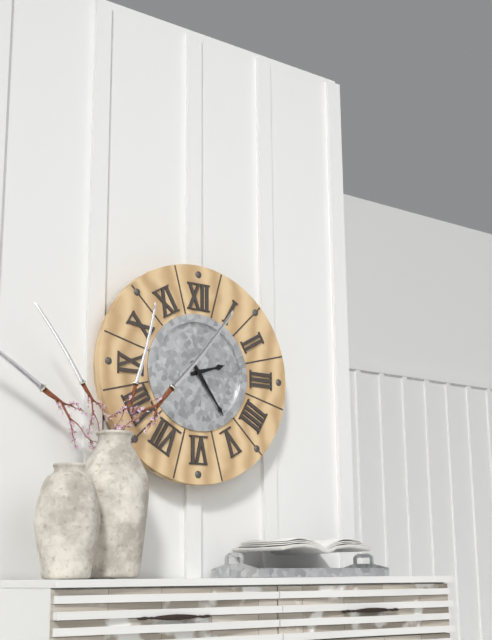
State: 2:24
